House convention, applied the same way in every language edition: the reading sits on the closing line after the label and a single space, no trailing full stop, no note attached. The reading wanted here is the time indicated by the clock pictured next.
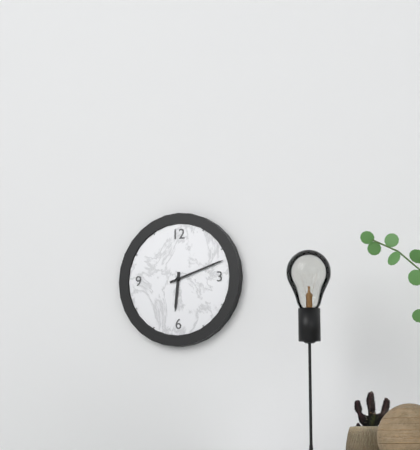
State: 6:12
